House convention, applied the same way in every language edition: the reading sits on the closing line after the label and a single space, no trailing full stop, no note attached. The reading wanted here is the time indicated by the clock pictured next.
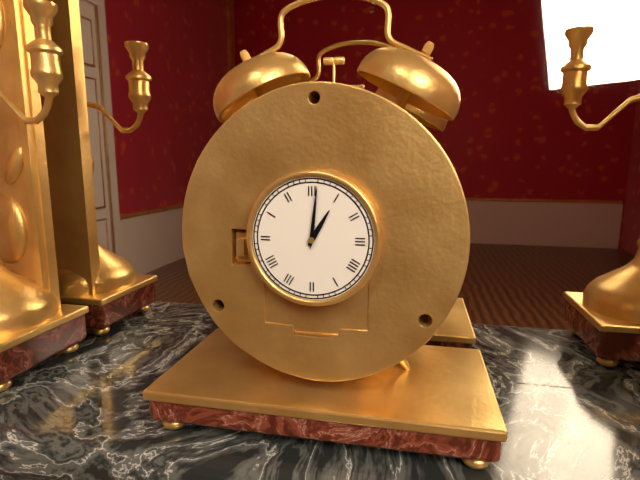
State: 1:01
